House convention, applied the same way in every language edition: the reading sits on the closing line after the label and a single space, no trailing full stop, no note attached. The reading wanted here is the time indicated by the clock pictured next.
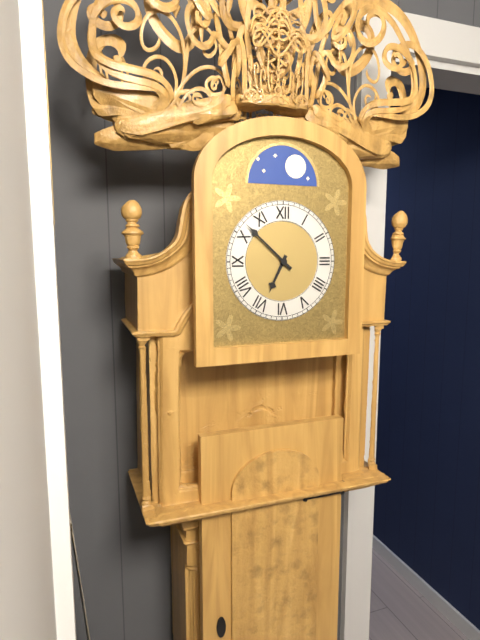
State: 6:52
